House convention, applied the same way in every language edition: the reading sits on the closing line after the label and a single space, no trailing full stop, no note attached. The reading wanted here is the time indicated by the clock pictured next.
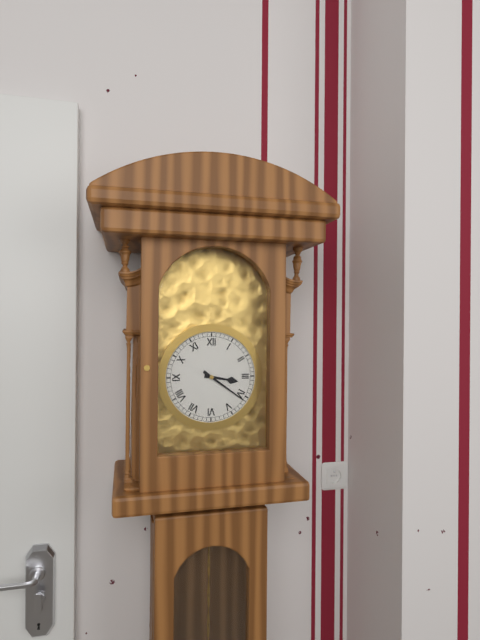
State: 3:21
